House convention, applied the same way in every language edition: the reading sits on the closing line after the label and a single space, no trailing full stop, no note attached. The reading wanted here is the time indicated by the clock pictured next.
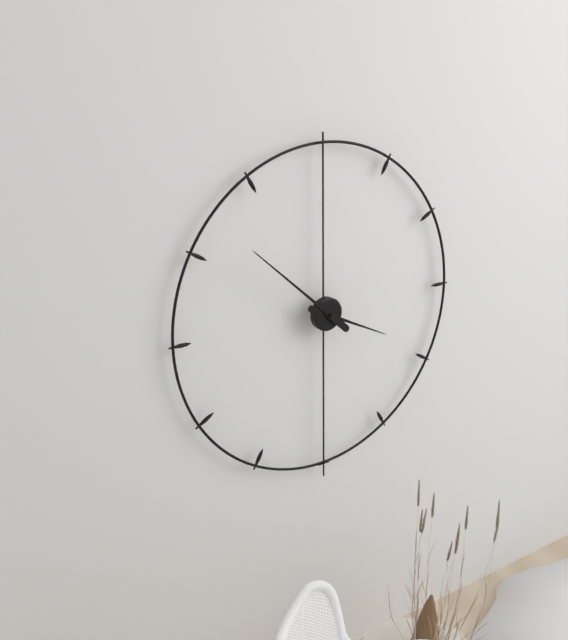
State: 3:52
